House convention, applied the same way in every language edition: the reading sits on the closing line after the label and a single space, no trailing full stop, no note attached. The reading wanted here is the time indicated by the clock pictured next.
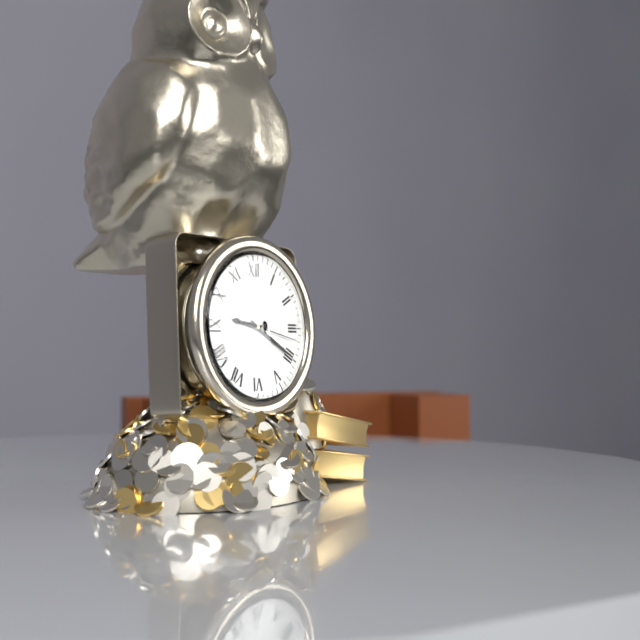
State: 9:20:17
